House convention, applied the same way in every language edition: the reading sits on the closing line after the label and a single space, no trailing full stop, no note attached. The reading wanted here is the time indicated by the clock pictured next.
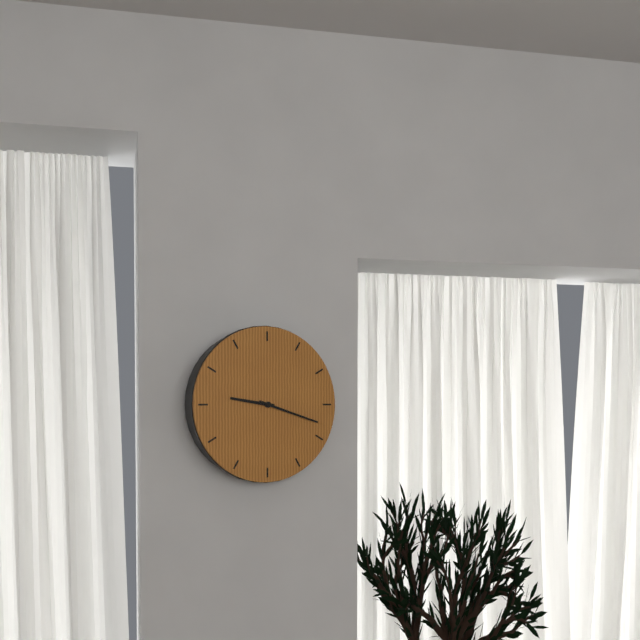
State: 9:18
